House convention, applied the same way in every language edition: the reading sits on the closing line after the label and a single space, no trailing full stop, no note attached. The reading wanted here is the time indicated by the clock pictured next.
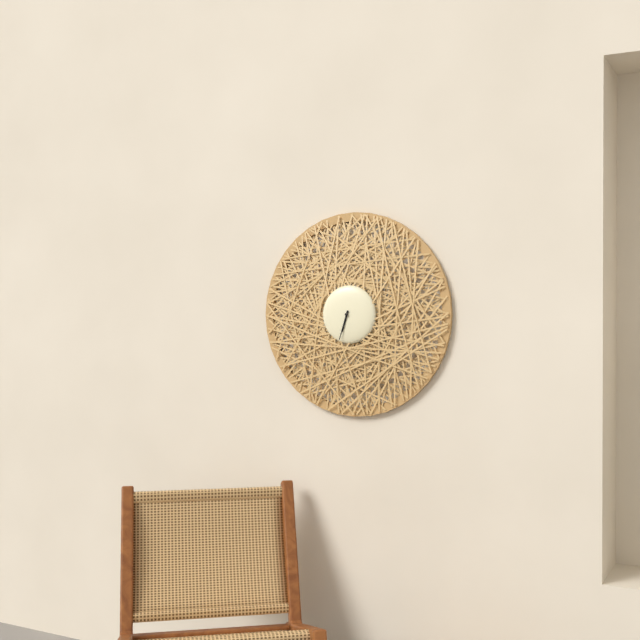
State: 6:33
